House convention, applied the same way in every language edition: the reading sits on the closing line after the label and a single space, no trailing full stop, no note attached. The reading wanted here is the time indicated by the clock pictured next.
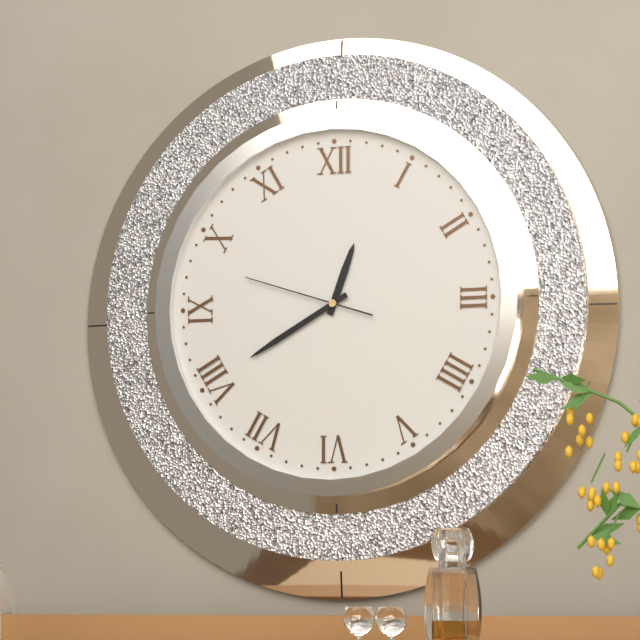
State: 12:40:48
